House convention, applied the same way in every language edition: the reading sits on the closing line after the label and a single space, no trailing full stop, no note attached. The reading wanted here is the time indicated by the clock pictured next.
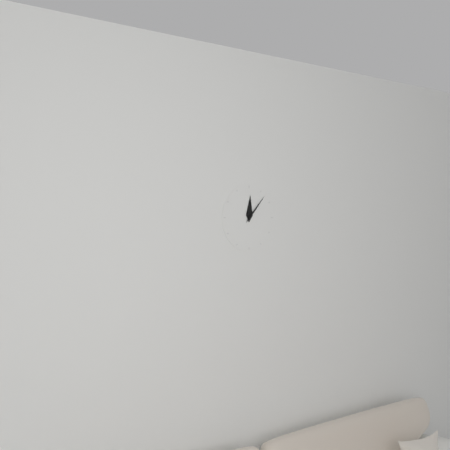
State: 12:07
